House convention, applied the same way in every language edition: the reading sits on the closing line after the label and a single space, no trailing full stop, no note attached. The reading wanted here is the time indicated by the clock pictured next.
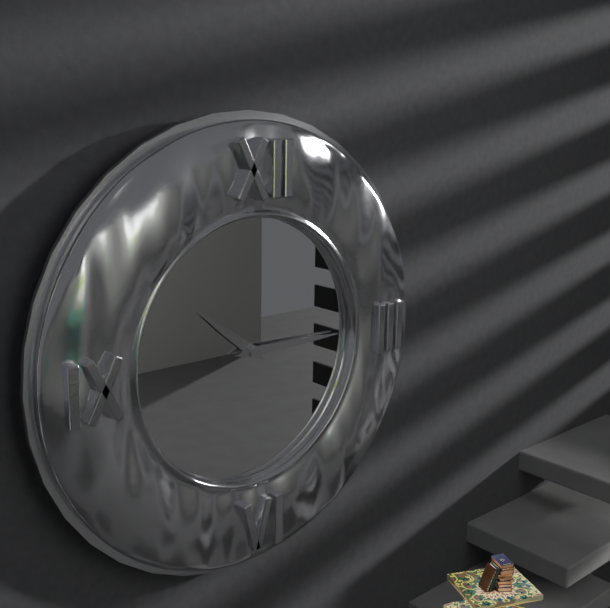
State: 10:15
